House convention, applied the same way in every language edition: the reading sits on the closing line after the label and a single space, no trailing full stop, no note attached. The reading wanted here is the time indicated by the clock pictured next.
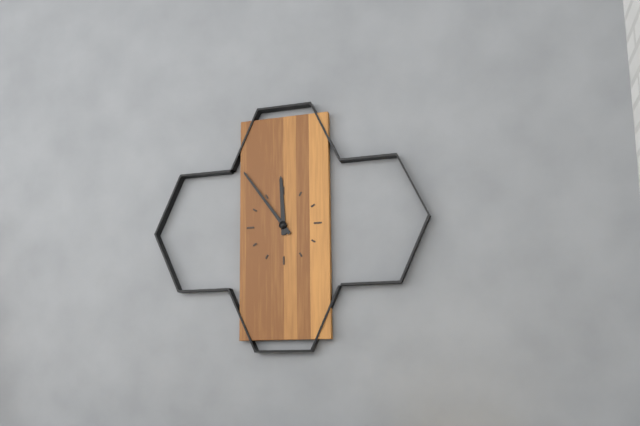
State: 11:54
